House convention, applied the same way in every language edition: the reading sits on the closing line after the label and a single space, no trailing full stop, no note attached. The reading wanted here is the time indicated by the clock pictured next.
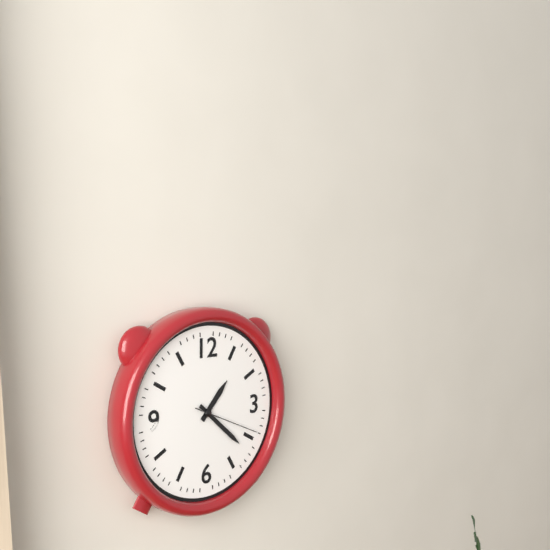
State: 1:22:19
